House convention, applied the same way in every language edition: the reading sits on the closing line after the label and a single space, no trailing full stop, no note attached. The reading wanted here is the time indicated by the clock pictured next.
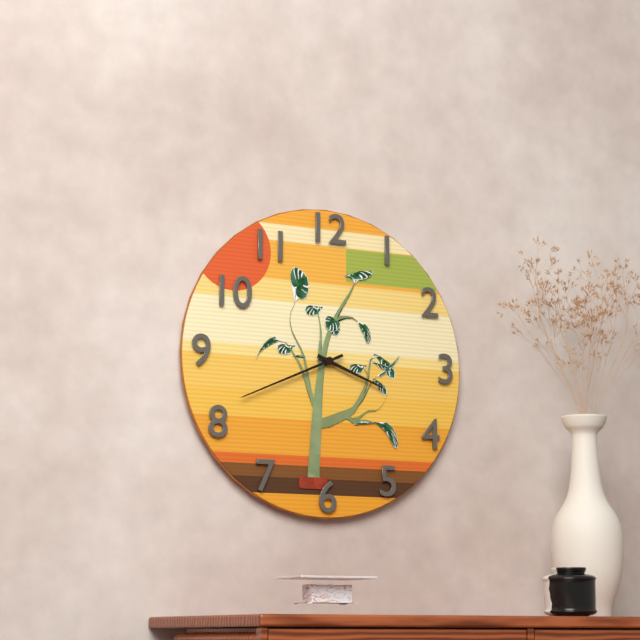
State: 3:41
